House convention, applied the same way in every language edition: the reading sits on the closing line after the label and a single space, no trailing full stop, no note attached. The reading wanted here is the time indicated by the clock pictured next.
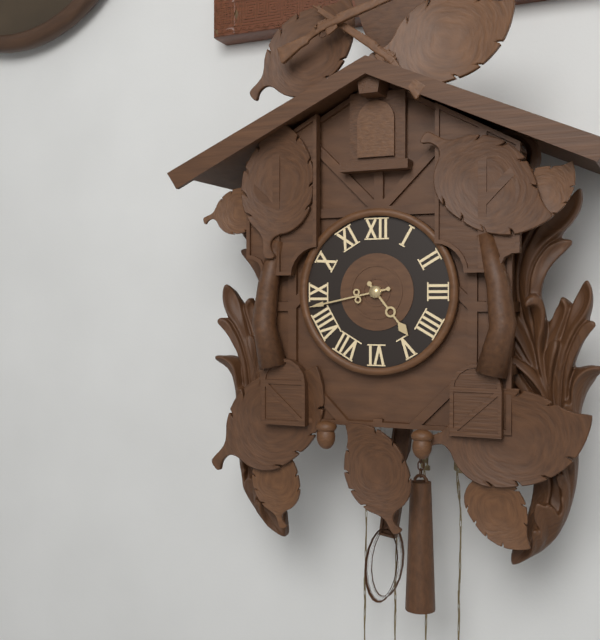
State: 4:43
